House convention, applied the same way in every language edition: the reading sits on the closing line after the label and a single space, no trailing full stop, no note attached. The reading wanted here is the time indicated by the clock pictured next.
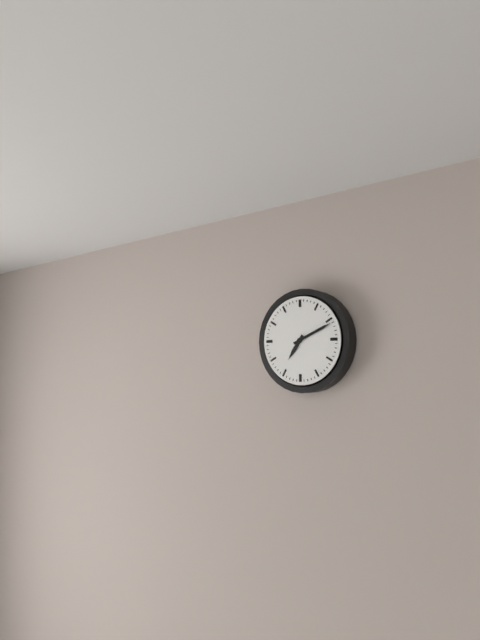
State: 7:11
